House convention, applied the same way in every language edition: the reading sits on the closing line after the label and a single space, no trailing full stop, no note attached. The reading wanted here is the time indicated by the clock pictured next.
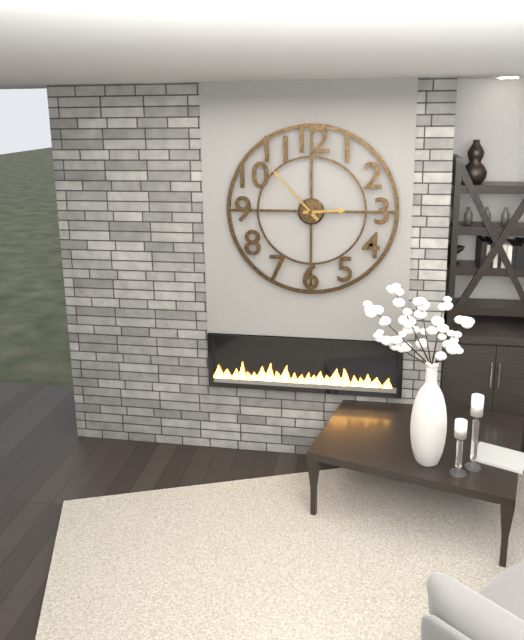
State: 2:53
